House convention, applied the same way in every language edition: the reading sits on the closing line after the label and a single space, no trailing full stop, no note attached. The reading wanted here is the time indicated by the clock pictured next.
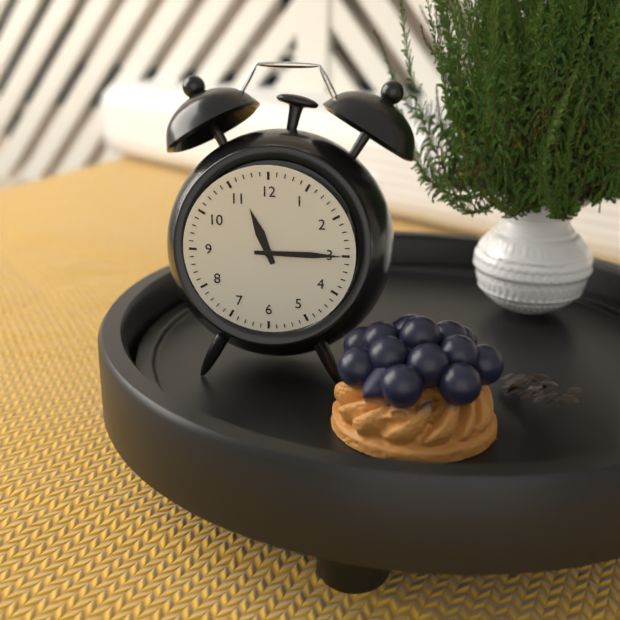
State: 11:15
